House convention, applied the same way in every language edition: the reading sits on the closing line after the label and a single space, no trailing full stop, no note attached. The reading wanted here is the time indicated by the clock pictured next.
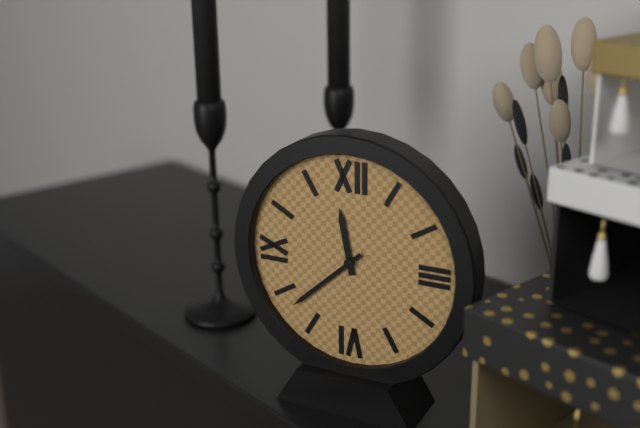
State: 11:38
